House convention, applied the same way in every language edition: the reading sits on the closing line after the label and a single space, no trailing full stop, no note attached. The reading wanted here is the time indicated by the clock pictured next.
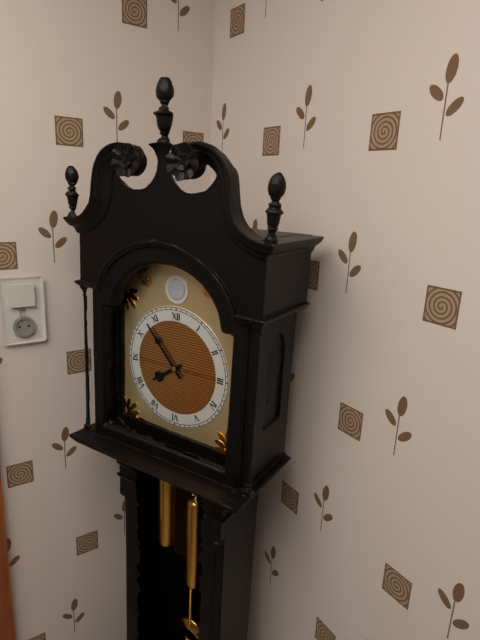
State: 7:53
